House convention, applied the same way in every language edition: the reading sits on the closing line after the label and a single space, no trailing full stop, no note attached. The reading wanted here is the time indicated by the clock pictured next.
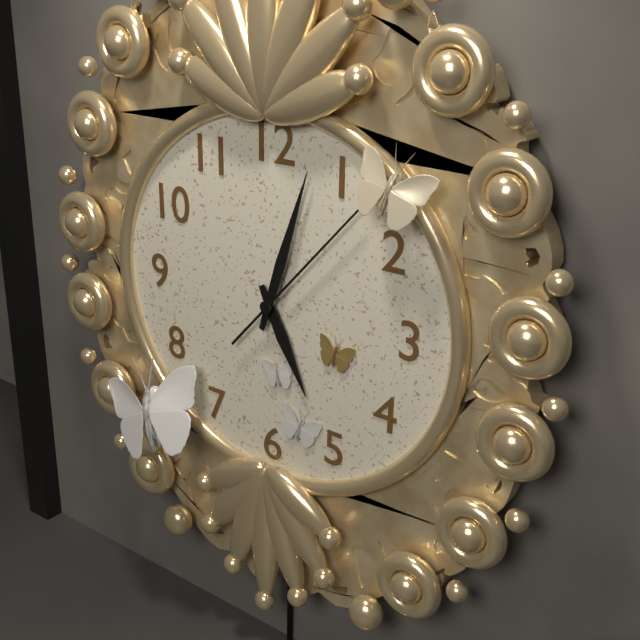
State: 5:03:07
